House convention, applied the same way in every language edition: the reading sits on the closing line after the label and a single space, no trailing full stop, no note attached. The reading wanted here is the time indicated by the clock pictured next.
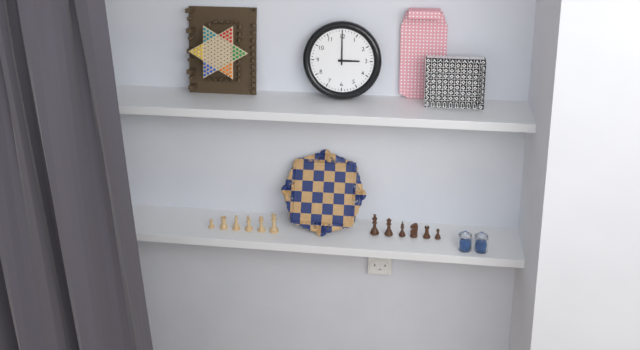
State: 3:00
